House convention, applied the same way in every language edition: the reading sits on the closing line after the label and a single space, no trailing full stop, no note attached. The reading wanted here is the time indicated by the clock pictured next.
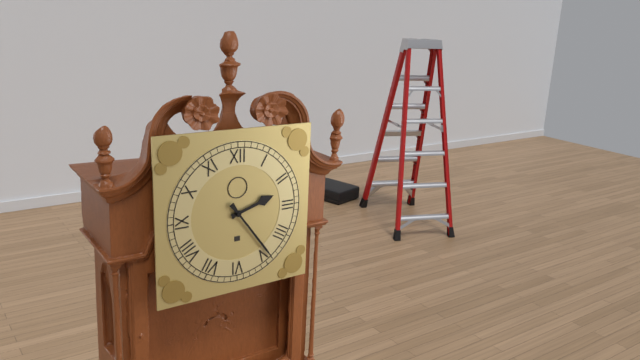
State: 2:24
